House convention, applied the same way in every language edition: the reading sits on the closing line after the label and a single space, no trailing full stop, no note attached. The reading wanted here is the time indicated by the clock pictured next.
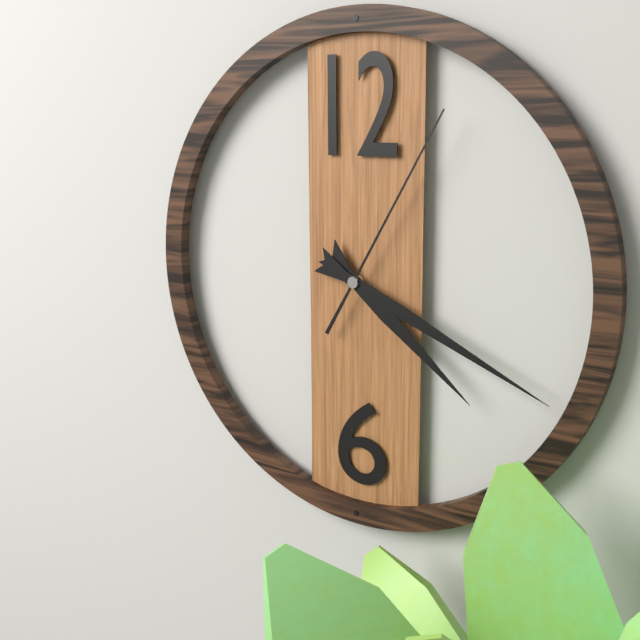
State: 4:19:05
